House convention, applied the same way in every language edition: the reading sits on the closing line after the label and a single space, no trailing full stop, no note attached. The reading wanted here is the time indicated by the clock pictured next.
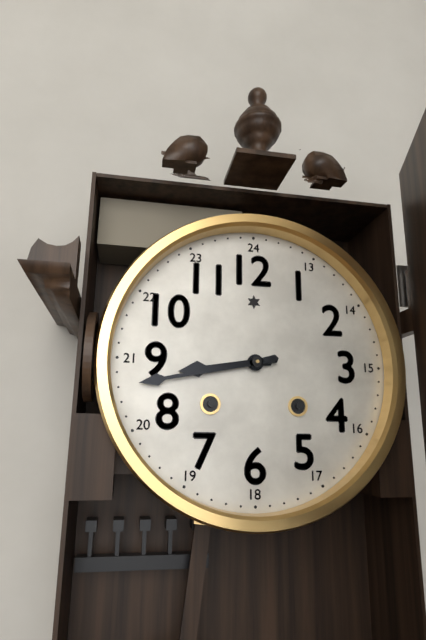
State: 8:43
